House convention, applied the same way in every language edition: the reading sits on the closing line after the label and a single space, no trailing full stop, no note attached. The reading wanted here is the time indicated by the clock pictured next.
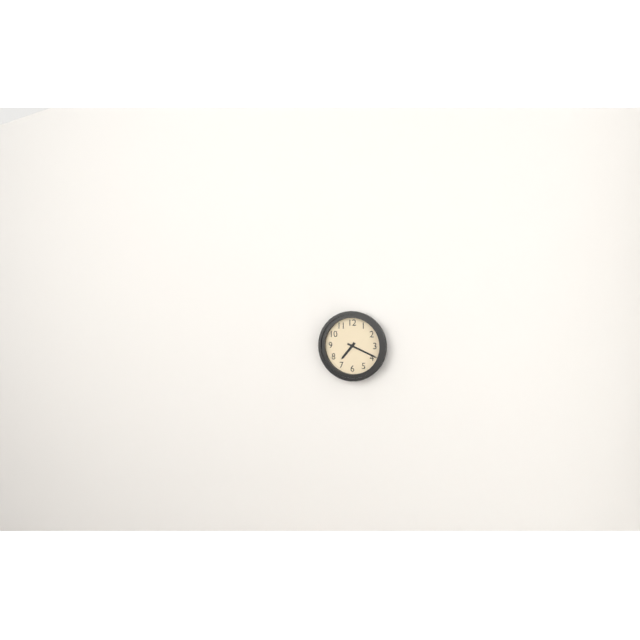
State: 7:19
